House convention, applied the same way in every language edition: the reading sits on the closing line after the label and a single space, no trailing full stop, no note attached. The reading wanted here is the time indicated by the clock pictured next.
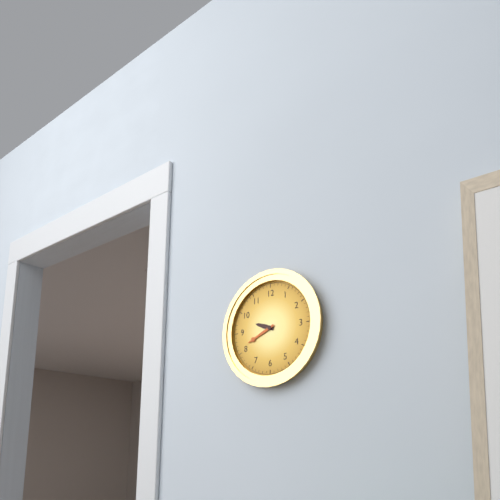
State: 9:41
